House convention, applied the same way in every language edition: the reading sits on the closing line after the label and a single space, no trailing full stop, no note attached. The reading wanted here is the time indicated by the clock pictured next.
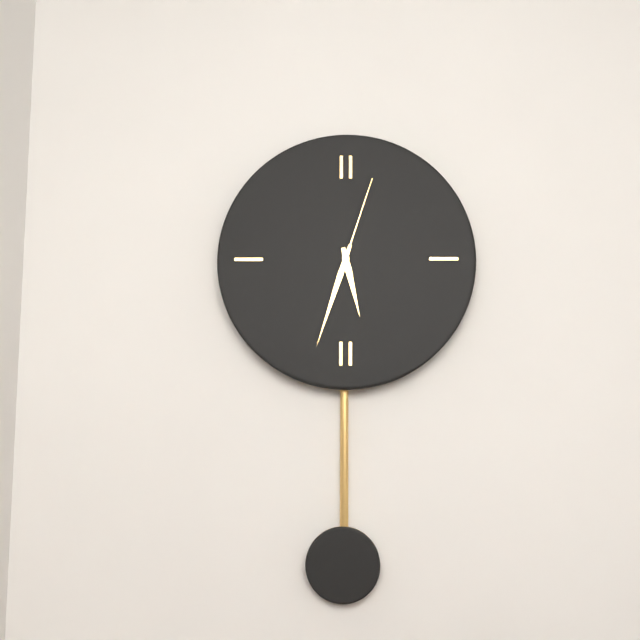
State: 5:33:03
